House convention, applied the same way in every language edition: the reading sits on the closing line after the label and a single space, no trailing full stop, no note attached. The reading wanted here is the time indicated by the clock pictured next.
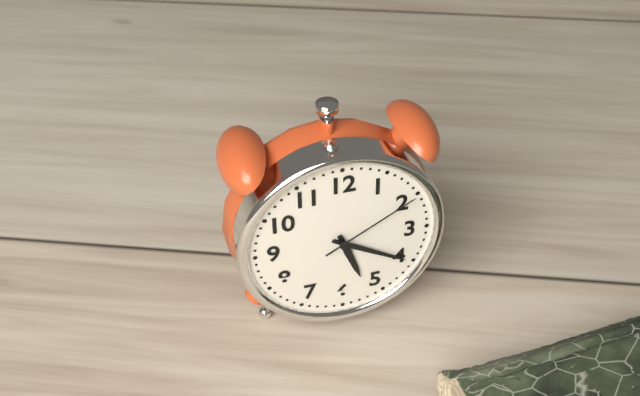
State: 5:20:10
